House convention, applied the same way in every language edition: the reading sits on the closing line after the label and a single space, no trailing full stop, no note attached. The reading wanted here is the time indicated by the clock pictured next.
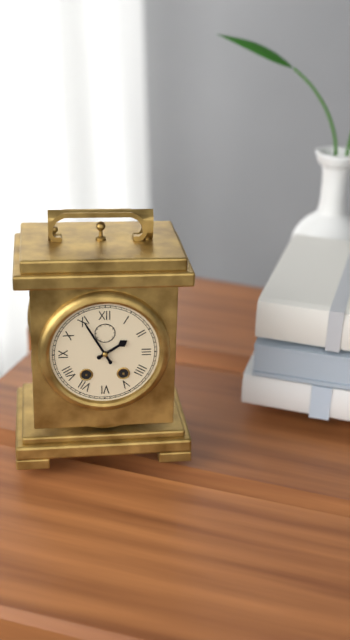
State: 1:55
